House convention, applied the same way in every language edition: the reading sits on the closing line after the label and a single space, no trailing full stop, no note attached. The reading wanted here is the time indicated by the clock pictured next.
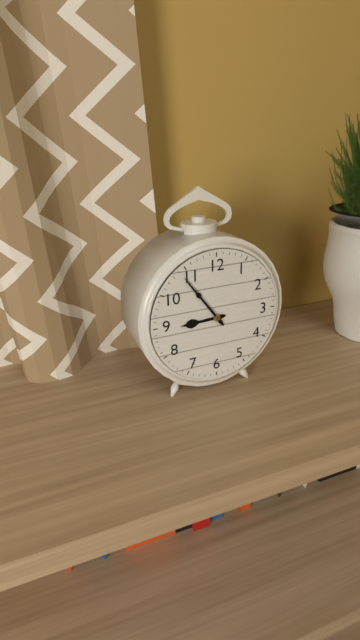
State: 8:54
